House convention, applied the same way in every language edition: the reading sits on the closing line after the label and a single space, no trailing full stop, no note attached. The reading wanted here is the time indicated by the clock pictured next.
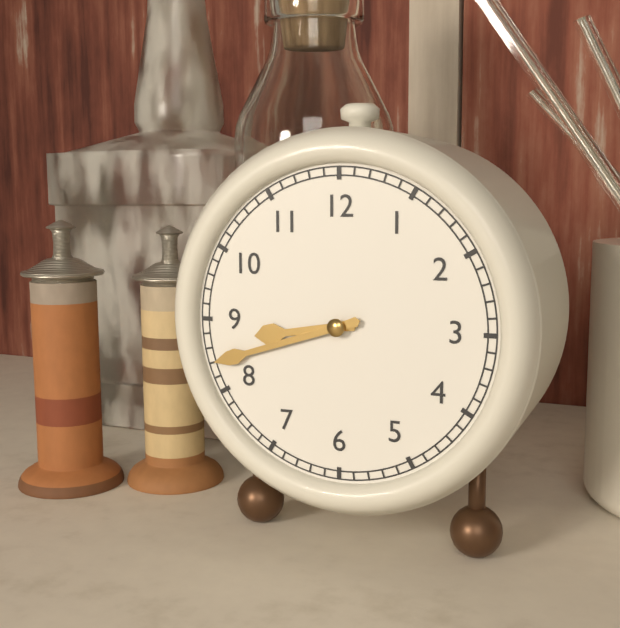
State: 8:42
